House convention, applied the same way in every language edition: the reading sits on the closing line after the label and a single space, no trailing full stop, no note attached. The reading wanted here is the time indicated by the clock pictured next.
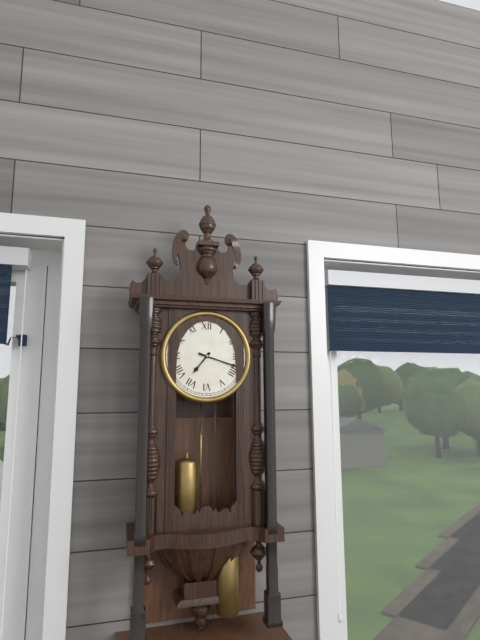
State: 7:18
